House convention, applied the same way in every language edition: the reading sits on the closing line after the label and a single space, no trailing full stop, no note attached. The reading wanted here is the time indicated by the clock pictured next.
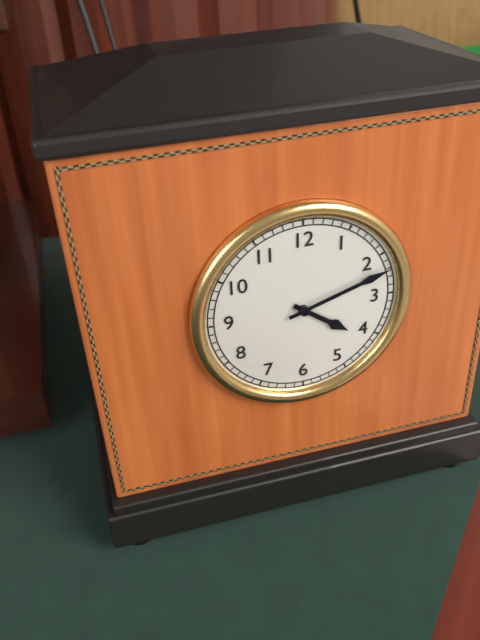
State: 4:12
